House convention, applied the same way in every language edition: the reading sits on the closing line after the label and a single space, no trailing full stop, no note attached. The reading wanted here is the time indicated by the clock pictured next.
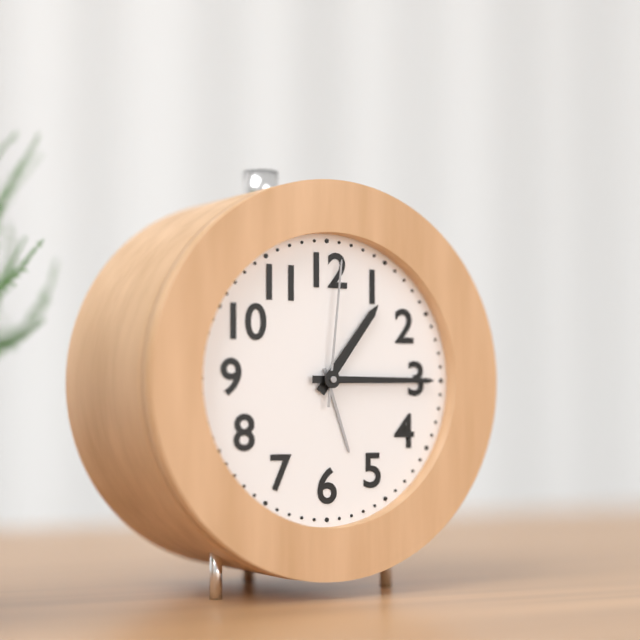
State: 1:15:01
